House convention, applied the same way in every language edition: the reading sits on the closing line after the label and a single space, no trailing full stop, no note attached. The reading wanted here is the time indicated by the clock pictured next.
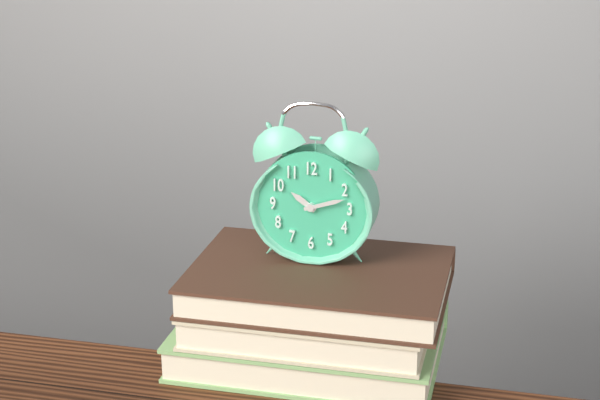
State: 10:12
